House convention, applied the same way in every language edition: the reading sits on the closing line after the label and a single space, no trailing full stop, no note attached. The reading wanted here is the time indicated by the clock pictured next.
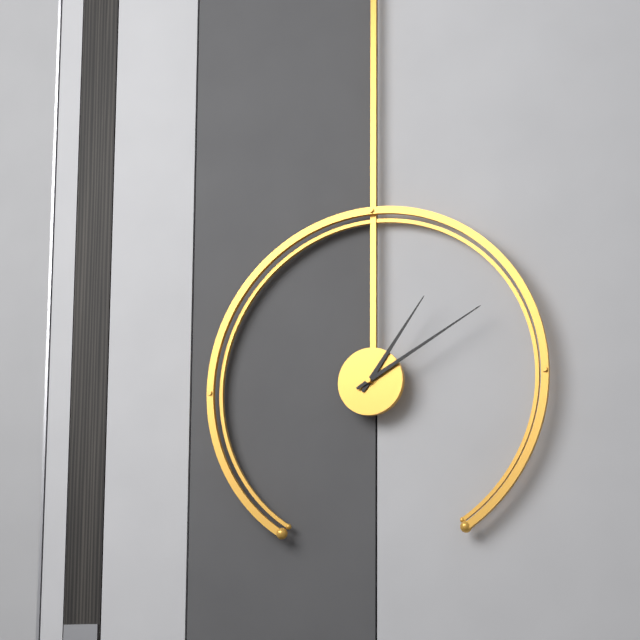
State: 1:10
